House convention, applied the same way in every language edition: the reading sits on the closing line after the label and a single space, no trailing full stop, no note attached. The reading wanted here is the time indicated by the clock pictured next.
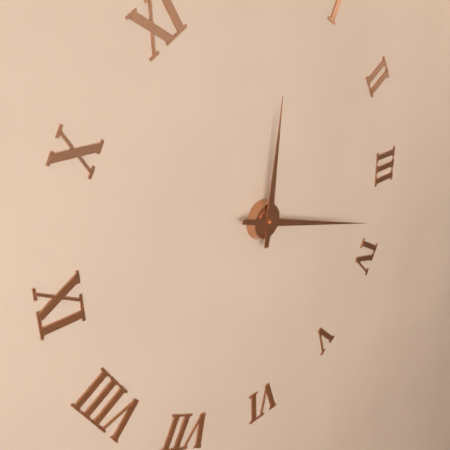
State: 12:18
